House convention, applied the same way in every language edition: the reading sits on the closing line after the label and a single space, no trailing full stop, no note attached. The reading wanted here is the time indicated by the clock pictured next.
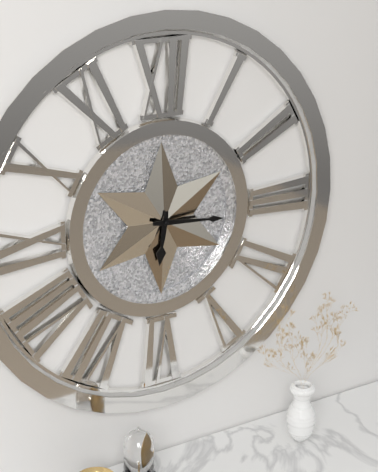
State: 6:16
